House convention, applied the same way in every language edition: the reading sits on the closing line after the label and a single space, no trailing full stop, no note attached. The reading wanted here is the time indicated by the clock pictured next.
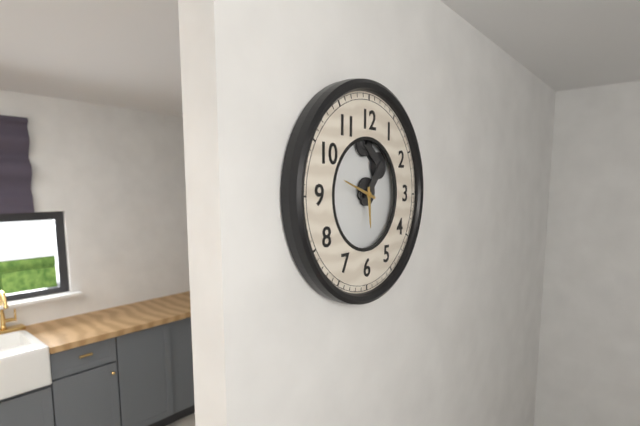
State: 5:48
